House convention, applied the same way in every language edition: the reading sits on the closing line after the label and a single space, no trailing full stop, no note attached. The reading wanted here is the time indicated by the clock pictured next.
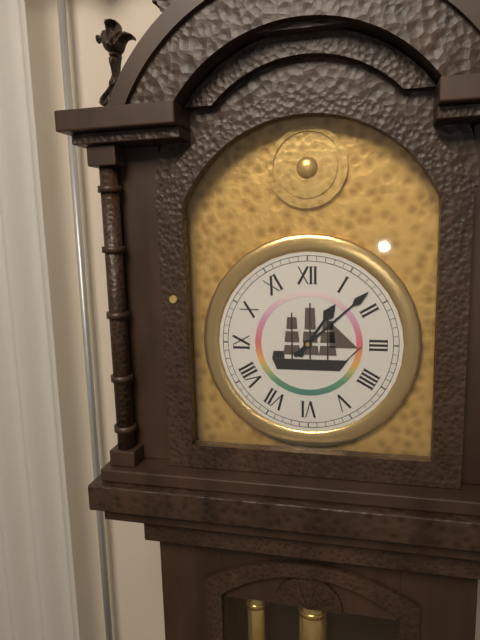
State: 1:08
